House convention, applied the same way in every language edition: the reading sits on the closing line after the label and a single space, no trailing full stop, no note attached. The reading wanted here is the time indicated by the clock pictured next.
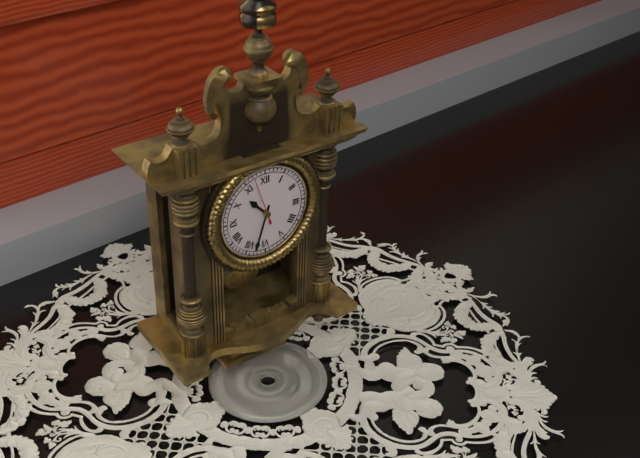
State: 10:33
